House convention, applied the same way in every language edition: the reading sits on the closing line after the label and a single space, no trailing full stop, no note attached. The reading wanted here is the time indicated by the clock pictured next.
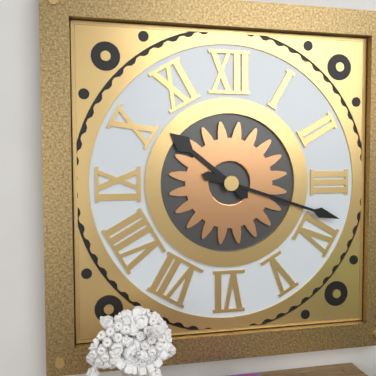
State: 10:18
